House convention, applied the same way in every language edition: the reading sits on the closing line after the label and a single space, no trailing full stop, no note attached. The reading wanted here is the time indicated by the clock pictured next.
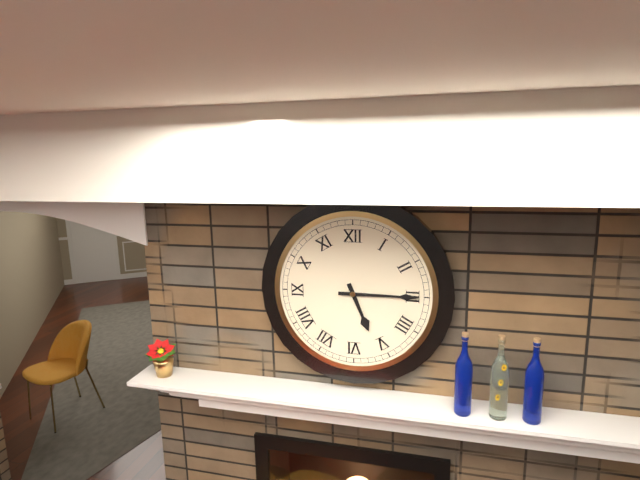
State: 5:15
